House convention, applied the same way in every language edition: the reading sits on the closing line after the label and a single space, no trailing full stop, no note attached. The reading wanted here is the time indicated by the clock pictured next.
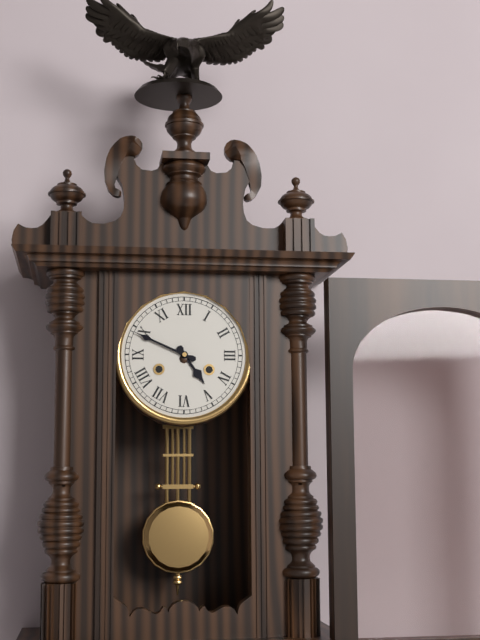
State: 4:49
